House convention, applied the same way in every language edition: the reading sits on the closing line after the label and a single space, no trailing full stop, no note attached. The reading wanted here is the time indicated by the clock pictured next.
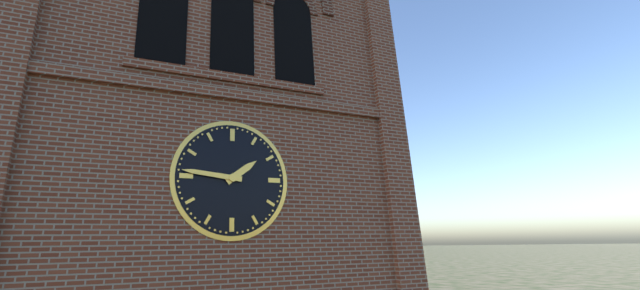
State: 1:46
